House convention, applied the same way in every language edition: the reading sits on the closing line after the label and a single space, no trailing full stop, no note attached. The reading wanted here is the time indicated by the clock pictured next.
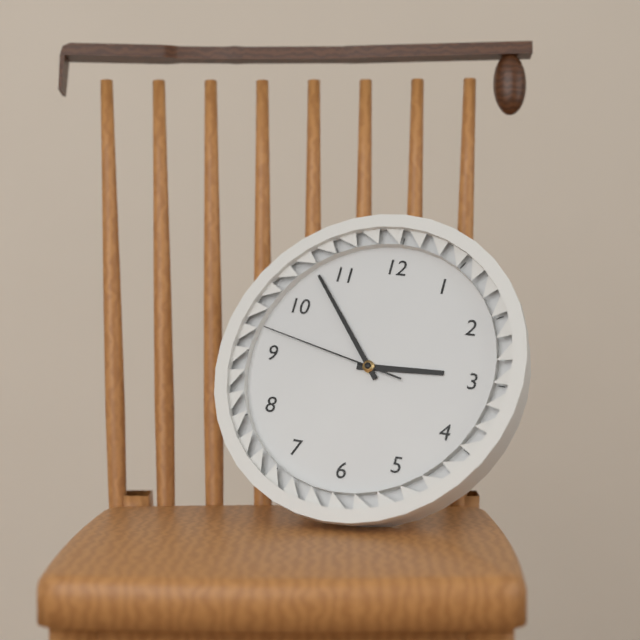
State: 2:53:47
